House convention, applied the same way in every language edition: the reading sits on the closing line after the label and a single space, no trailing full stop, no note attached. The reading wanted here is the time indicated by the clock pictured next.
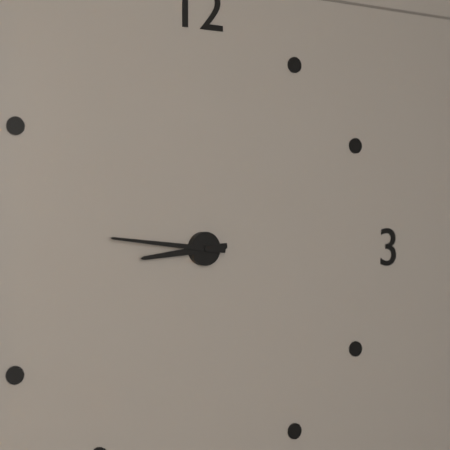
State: 8:46
